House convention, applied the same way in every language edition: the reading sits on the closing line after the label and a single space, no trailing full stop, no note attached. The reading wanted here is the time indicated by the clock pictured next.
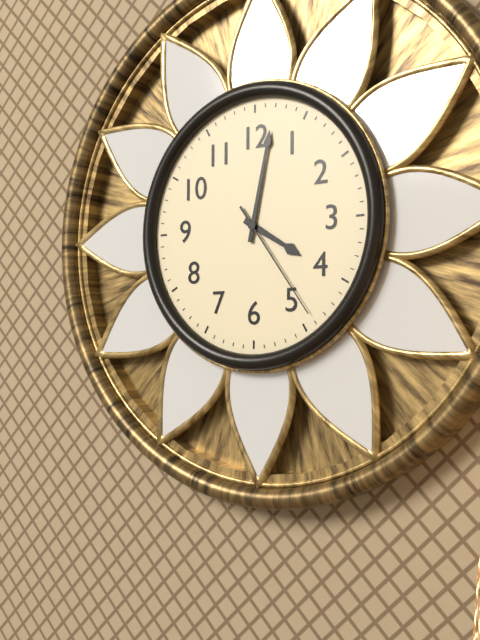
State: 4:02:24
